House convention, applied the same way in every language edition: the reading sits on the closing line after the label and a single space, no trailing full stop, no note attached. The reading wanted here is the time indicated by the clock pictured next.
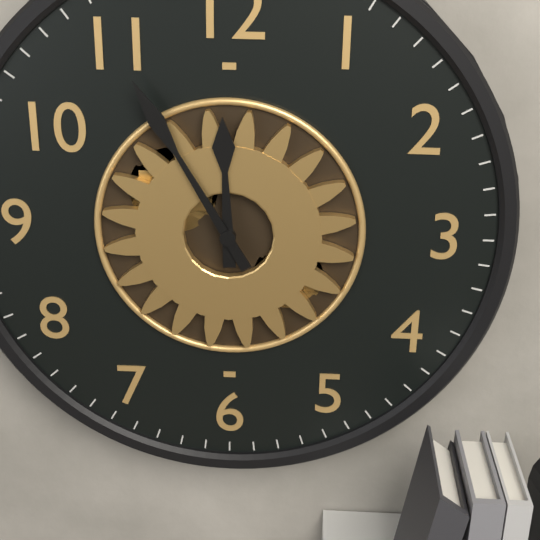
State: 11:55
